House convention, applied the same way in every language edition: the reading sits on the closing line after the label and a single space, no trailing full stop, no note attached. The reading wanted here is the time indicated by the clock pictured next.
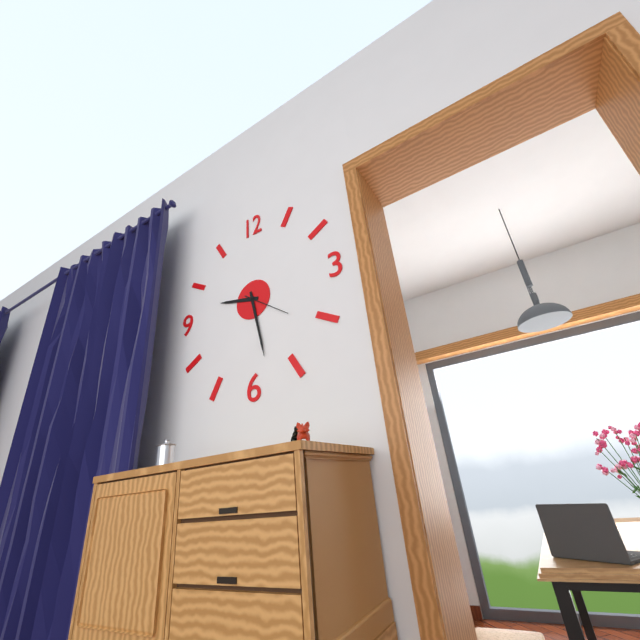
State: 9:28
